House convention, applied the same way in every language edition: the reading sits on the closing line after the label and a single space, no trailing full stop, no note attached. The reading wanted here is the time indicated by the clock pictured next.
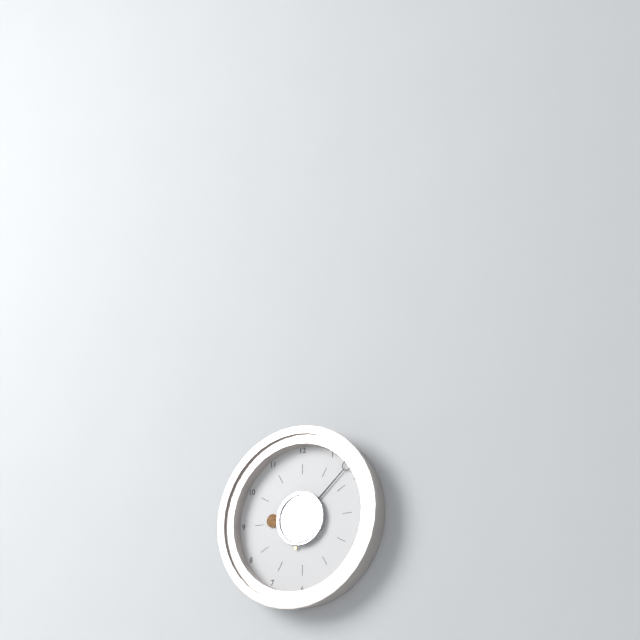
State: 9:08
